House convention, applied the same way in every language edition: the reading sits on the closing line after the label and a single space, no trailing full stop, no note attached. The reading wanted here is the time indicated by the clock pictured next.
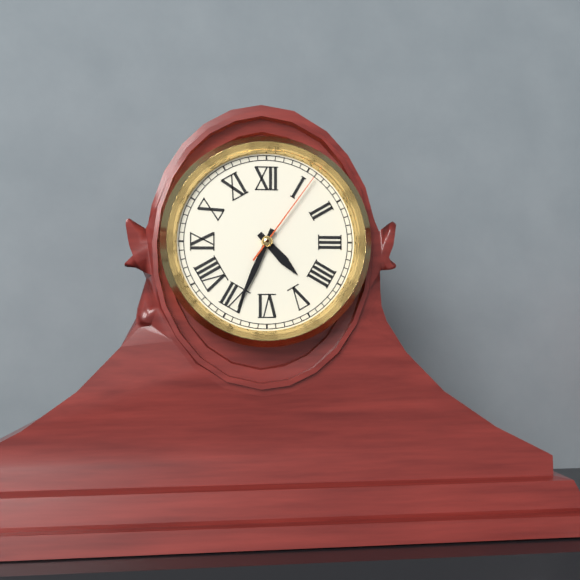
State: 4:34:06
